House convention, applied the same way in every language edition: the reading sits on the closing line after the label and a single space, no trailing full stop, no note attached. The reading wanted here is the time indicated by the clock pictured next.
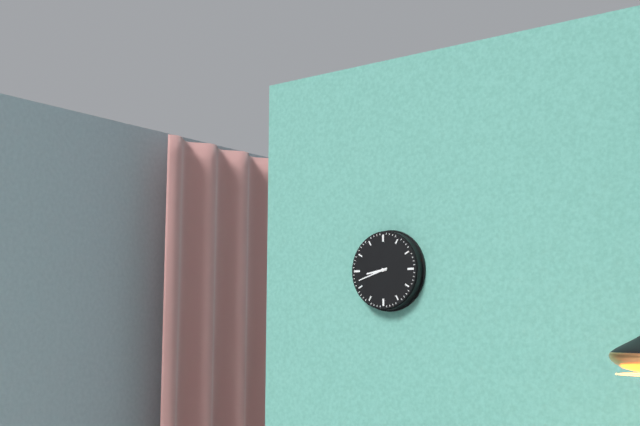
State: 8:42
